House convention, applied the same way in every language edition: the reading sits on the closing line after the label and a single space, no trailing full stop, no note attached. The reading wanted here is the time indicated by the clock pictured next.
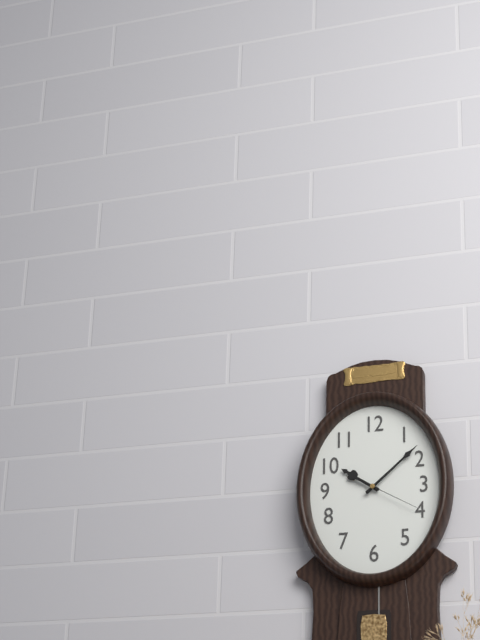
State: 10:08:20
